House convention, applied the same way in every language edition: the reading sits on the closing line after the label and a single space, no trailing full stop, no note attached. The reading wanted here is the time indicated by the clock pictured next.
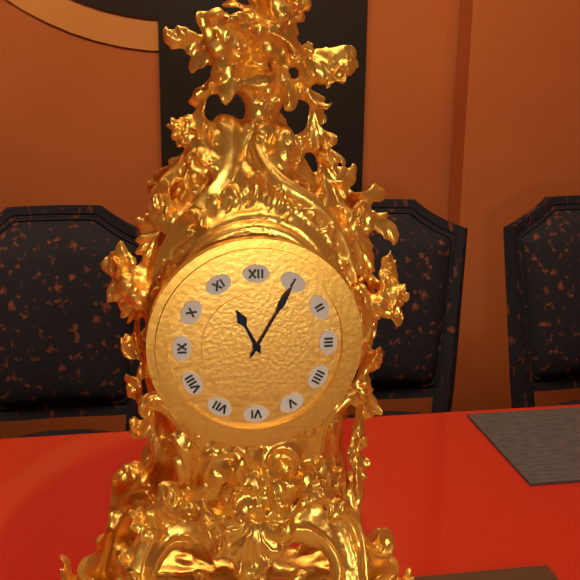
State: 11:05
